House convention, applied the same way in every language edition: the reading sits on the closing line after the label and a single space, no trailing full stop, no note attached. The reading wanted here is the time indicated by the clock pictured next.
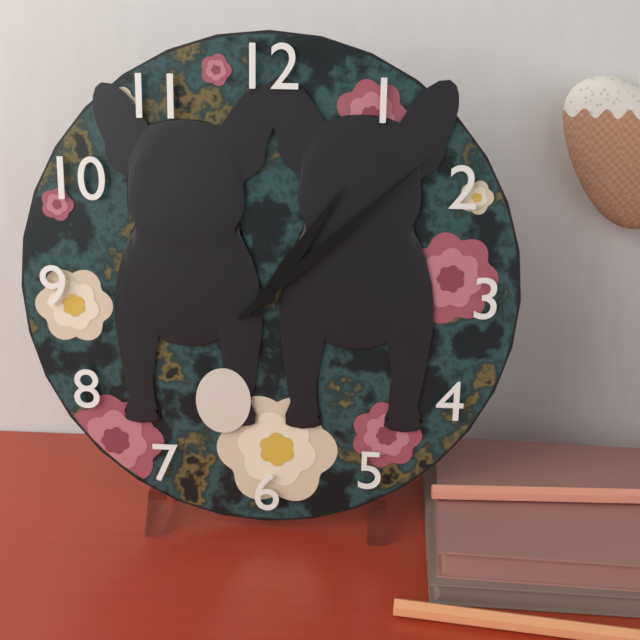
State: 1:08
